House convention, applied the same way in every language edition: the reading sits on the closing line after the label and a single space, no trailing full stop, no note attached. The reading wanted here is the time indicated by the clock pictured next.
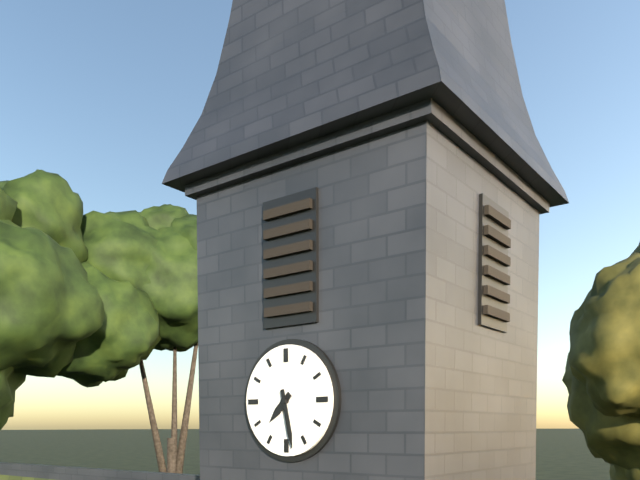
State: 7:28
